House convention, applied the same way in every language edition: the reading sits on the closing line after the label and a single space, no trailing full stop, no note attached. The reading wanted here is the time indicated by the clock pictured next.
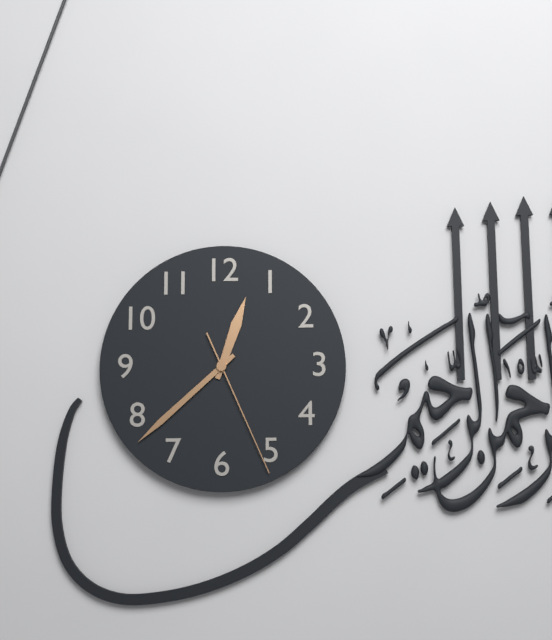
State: 12:38:26
